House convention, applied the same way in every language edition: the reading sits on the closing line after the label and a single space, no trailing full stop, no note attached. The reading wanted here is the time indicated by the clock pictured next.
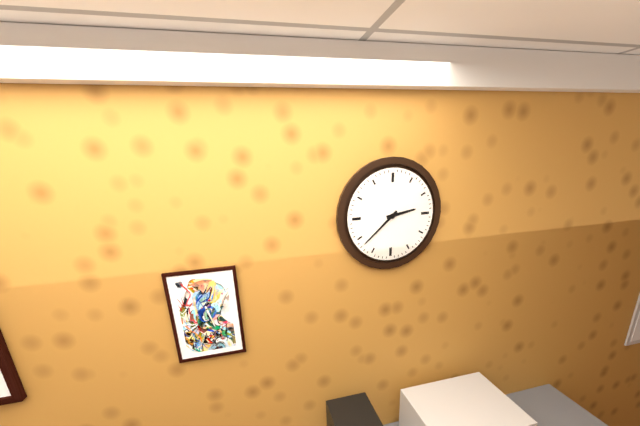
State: 2:38
